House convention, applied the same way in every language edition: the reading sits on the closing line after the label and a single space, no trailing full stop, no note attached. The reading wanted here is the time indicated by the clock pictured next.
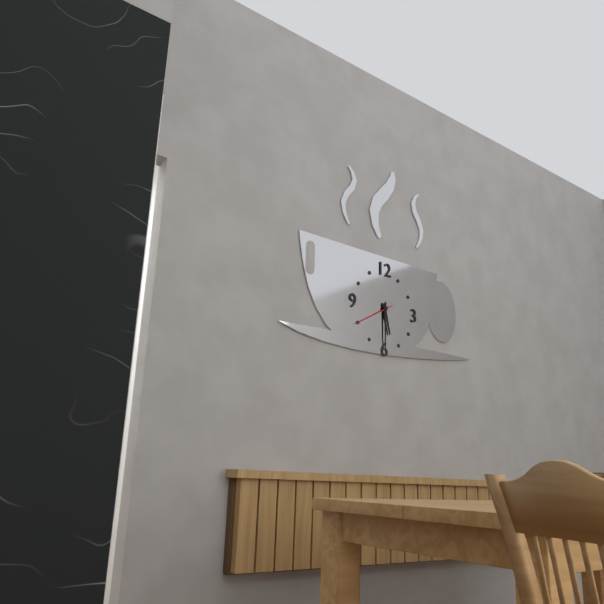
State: 5:30
